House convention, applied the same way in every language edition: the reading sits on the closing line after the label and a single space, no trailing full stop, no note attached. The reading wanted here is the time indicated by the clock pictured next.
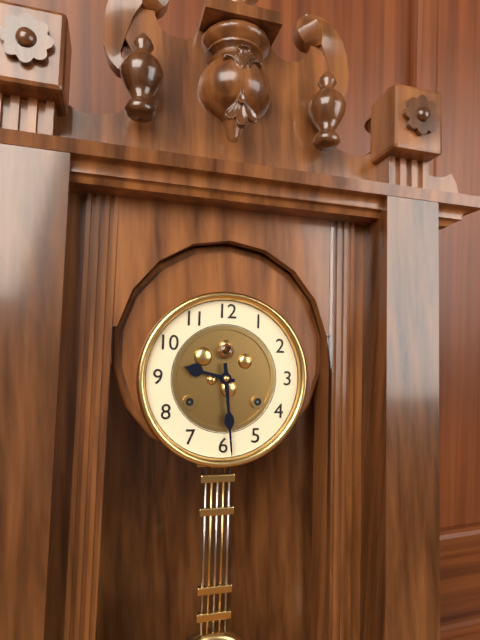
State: 9:29
